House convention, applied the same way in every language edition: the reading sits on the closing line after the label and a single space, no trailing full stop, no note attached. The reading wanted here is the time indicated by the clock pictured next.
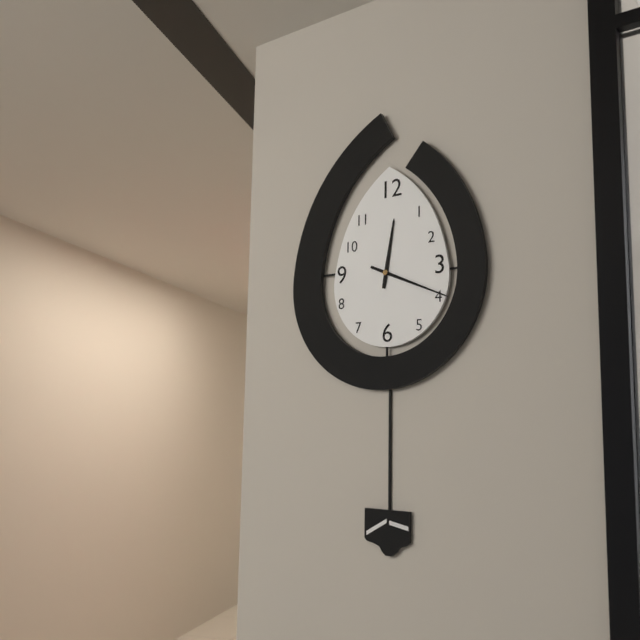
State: 12:19
